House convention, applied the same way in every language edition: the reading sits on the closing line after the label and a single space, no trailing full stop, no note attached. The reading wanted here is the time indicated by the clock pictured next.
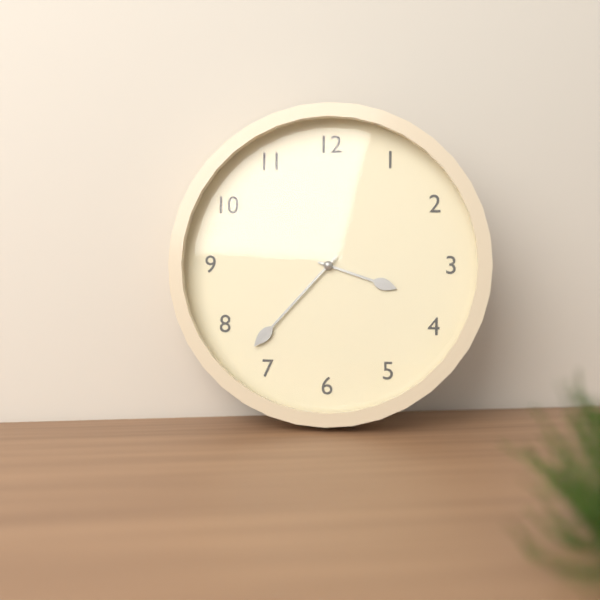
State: 3:37
